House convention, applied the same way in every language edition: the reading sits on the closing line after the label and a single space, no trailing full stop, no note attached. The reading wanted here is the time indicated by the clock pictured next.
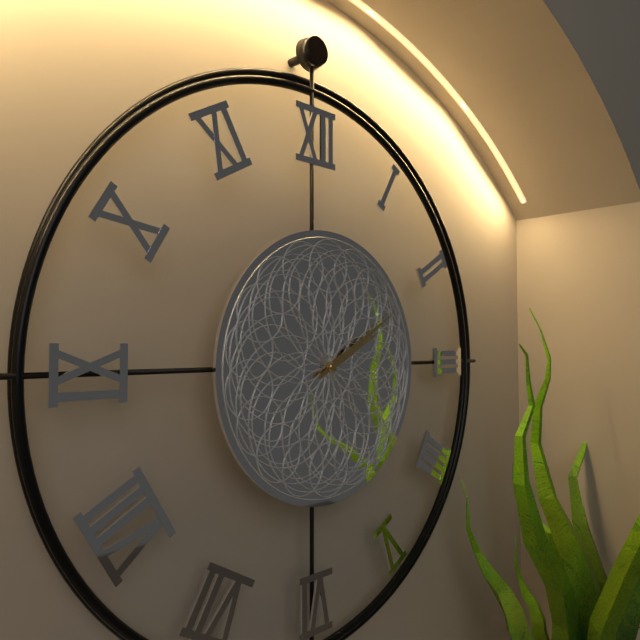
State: 2:10
